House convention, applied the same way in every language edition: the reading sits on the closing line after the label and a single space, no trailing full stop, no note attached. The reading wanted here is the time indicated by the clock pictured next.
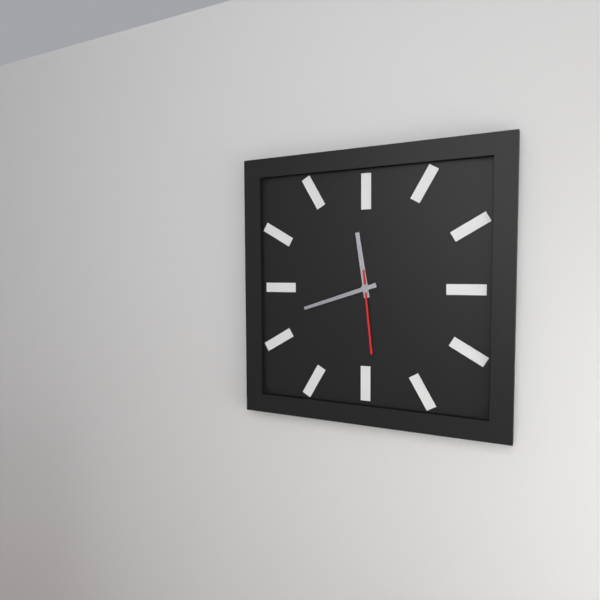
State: 11:42:29
